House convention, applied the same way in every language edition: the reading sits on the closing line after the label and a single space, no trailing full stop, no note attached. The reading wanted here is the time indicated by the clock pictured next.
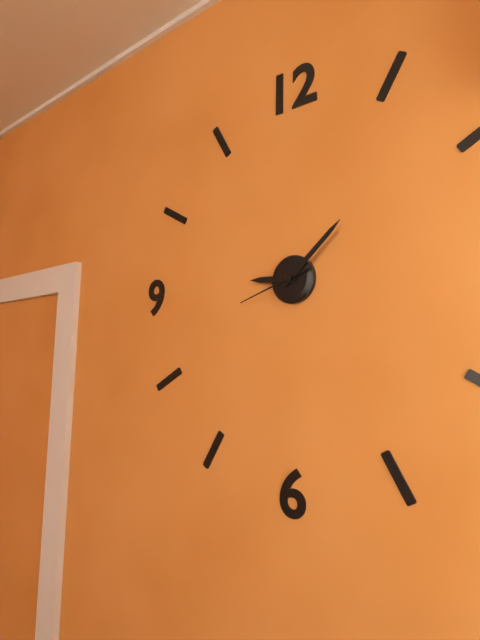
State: 9:08:42
